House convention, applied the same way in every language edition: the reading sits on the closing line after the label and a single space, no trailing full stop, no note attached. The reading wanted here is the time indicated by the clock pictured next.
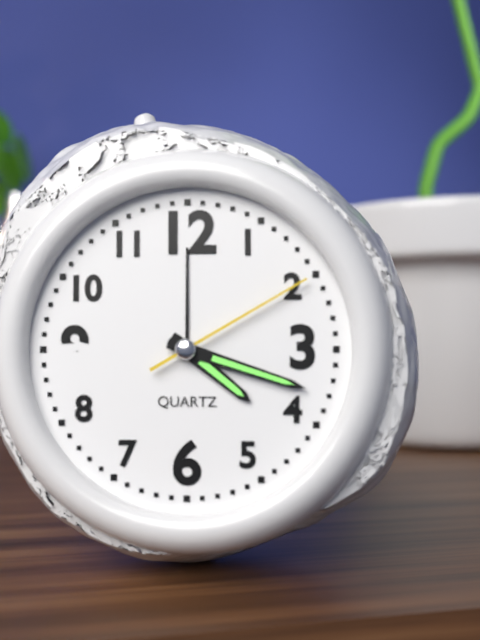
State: 4:18:10
